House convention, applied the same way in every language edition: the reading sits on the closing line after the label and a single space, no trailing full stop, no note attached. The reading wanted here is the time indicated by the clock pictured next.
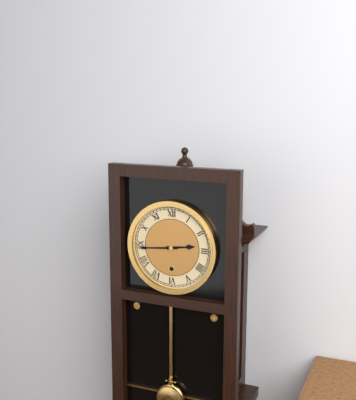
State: 2:44
